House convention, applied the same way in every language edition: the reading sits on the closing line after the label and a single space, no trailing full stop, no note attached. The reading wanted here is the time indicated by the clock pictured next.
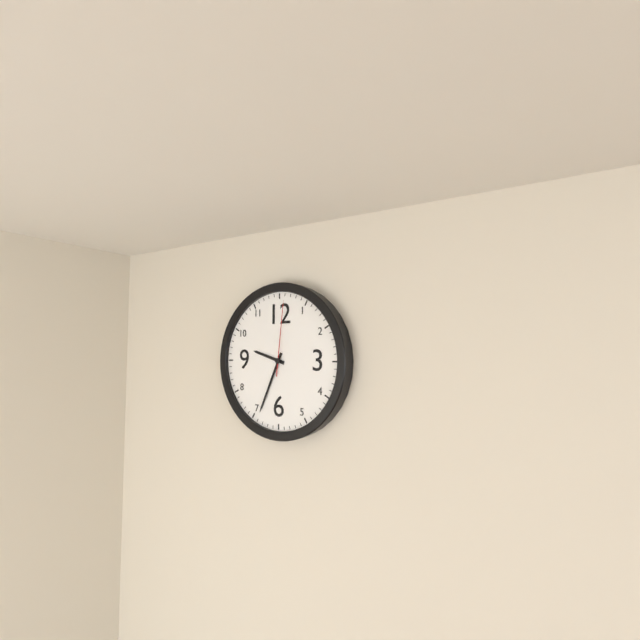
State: 9:34:01
